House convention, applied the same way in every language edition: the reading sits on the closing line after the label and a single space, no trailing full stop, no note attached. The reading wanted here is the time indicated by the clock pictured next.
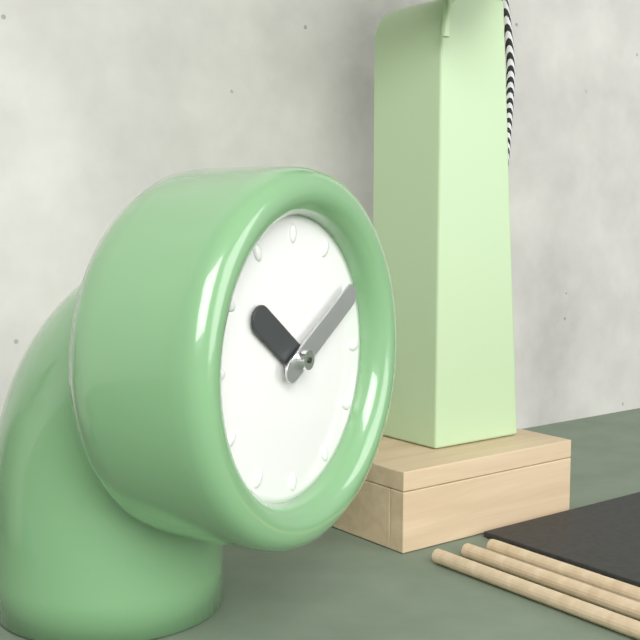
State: 10:10
